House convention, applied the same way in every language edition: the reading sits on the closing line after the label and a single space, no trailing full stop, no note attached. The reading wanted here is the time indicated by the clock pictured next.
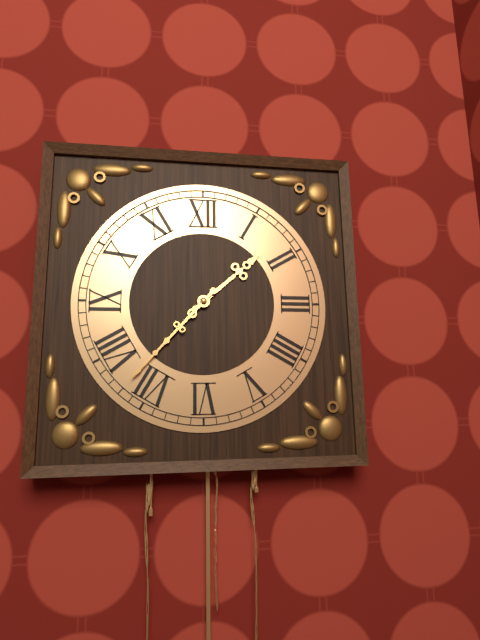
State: 1:37
